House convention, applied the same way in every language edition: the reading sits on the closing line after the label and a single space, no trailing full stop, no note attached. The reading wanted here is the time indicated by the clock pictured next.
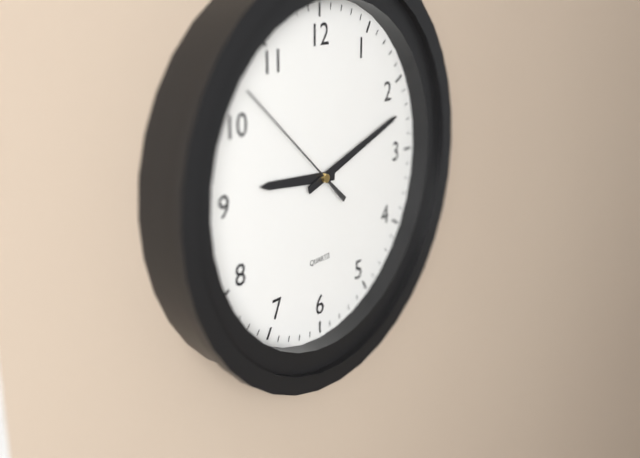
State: 9:12:52
